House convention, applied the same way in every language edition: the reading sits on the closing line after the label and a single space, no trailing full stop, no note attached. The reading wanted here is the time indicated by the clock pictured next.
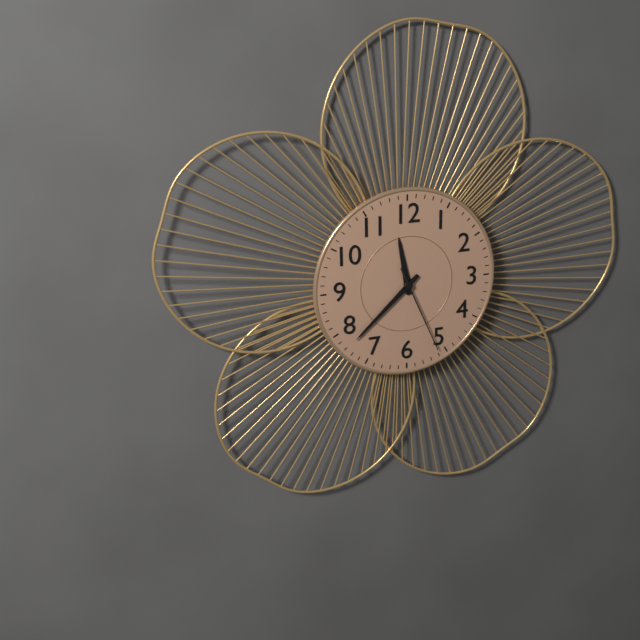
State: 11:38:26
